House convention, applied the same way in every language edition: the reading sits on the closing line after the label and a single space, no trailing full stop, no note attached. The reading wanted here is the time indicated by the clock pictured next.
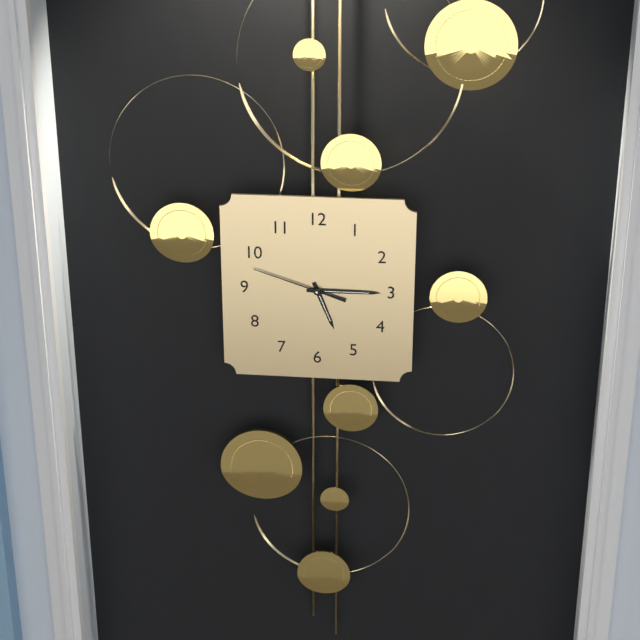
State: 5:15:48
